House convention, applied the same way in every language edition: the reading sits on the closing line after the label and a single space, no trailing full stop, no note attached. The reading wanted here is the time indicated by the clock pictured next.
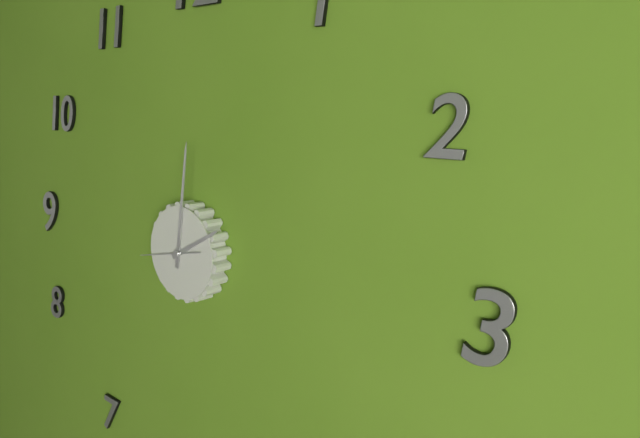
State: 2:01:43
